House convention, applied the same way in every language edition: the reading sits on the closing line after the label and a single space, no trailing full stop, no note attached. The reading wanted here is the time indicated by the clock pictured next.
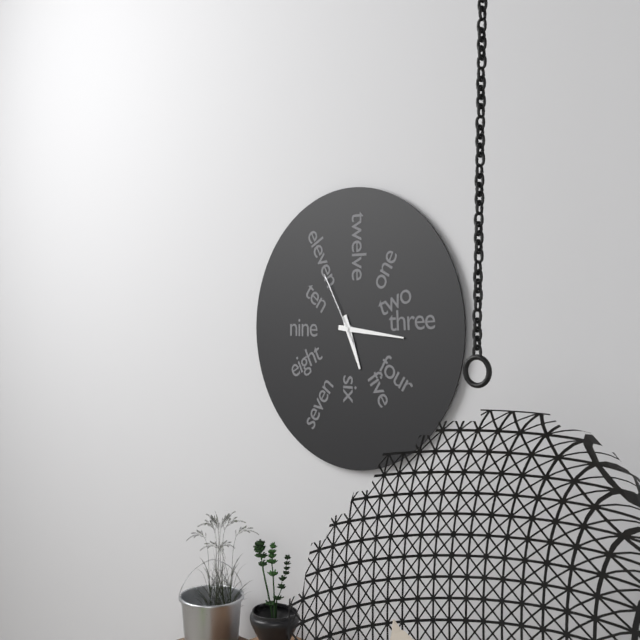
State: 5:16:55
